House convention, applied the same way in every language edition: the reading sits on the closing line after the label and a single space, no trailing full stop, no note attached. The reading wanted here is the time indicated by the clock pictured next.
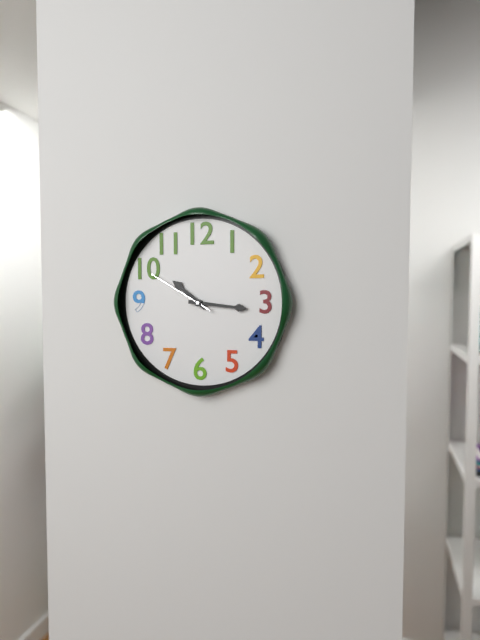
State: 10:16:50
